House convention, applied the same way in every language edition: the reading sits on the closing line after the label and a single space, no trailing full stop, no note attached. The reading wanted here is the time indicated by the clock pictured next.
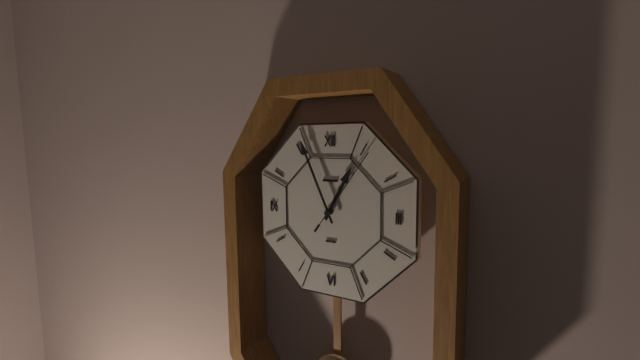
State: 12:56:06
